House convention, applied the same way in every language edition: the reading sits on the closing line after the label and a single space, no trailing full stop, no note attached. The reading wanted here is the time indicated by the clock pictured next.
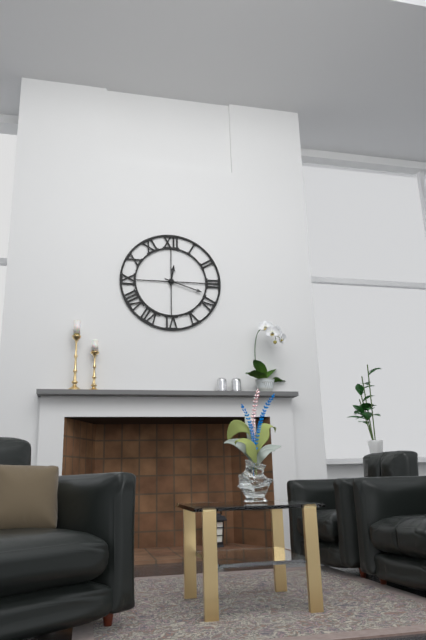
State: 12:18
